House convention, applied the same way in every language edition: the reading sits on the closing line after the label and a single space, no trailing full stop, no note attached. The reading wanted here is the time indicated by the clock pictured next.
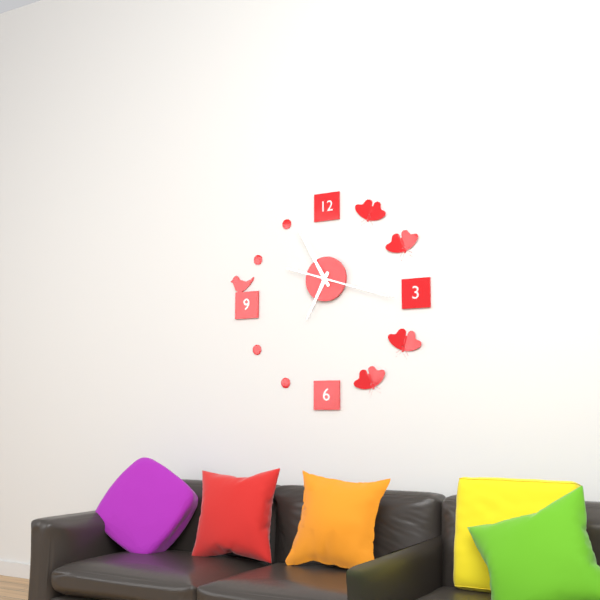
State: 6:55:18
